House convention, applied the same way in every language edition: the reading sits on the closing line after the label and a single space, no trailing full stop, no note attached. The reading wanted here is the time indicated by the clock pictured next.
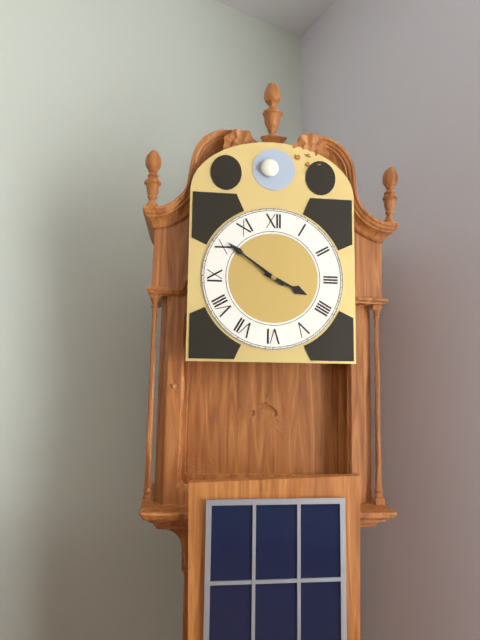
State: 3:51
